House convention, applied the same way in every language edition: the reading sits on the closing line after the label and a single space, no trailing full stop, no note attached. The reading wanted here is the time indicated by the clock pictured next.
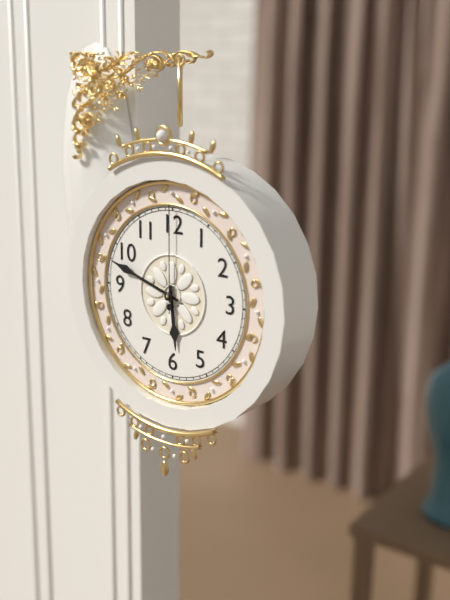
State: 5:48:00
